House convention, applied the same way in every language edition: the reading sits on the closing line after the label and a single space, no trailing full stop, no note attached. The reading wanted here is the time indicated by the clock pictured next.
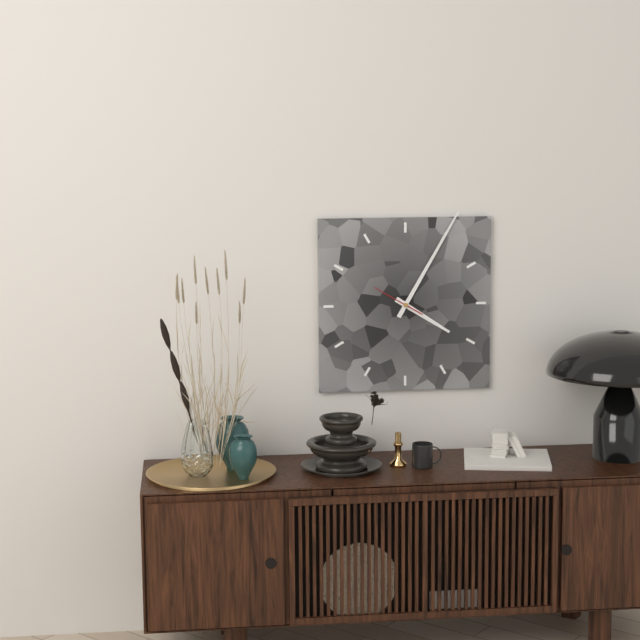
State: 4:05
